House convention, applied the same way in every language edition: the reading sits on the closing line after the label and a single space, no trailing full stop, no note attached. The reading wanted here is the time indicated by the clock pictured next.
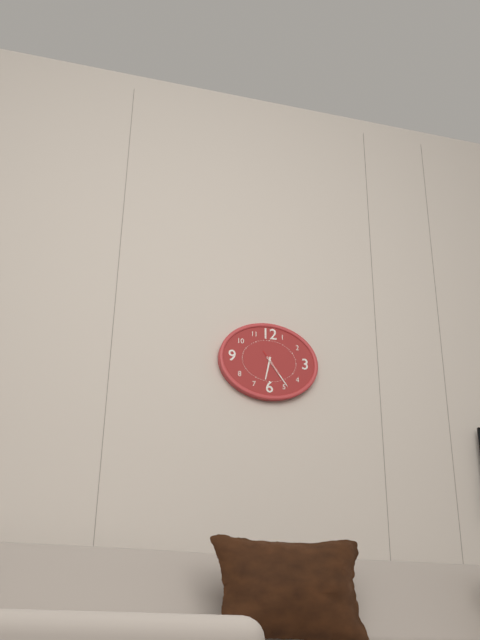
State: 6:24
